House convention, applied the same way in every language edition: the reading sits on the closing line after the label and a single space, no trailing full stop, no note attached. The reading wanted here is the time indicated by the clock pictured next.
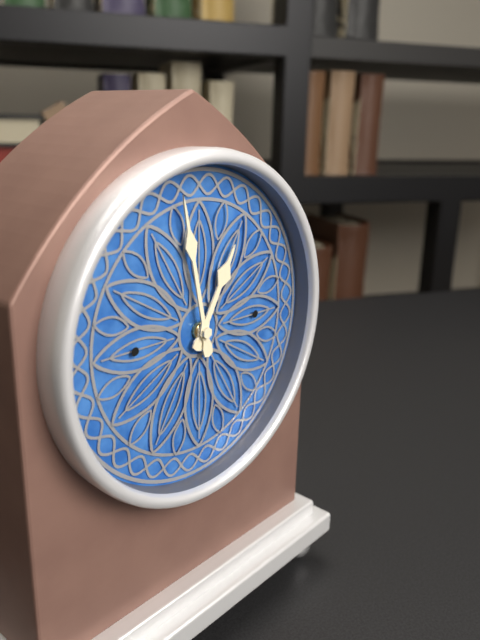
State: 12:58
